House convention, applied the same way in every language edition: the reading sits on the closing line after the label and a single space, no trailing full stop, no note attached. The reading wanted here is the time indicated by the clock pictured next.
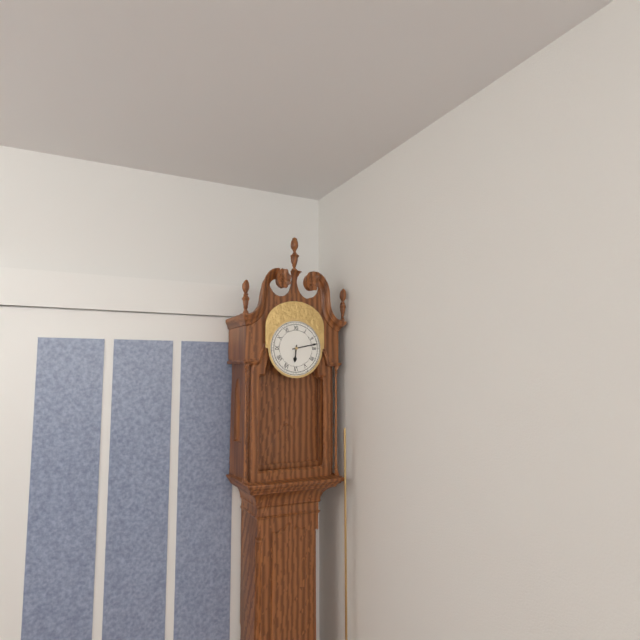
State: 6:13
